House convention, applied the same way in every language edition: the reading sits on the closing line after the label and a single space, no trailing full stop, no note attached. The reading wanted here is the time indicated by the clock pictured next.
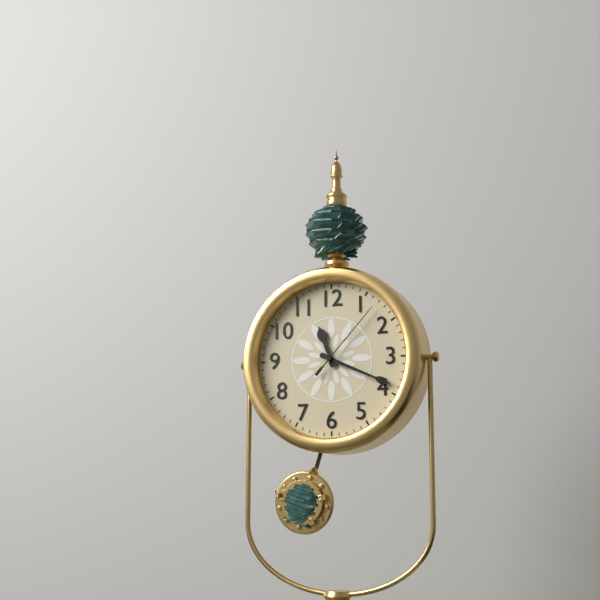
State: 11:19:07
